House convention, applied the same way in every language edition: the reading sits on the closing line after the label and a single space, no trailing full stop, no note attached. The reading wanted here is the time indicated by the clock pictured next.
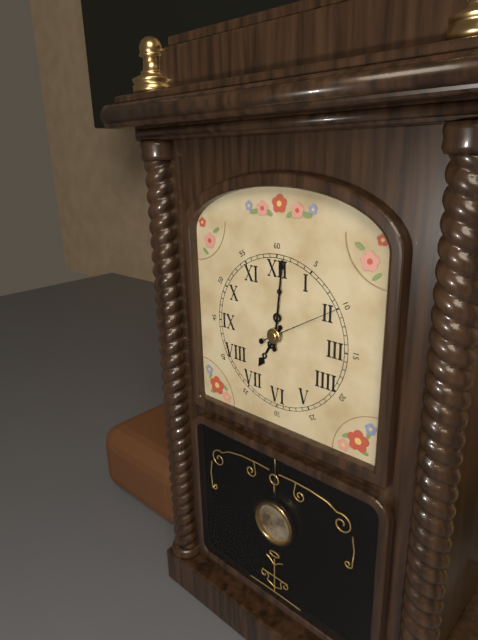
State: 7:01:10
